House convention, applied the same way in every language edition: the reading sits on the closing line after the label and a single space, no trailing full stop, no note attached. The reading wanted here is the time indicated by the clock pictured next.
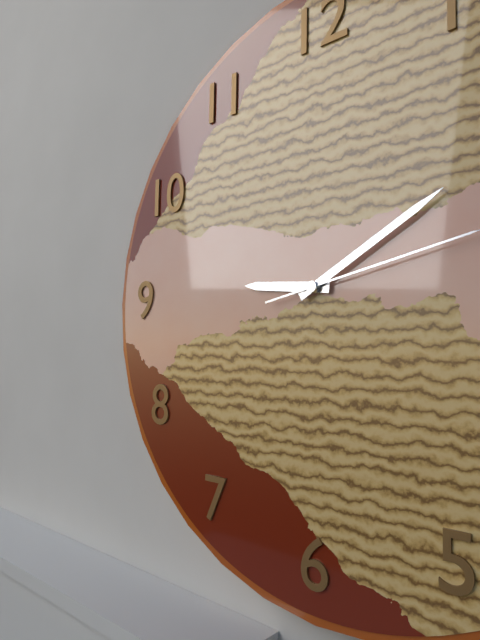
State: 9:10
